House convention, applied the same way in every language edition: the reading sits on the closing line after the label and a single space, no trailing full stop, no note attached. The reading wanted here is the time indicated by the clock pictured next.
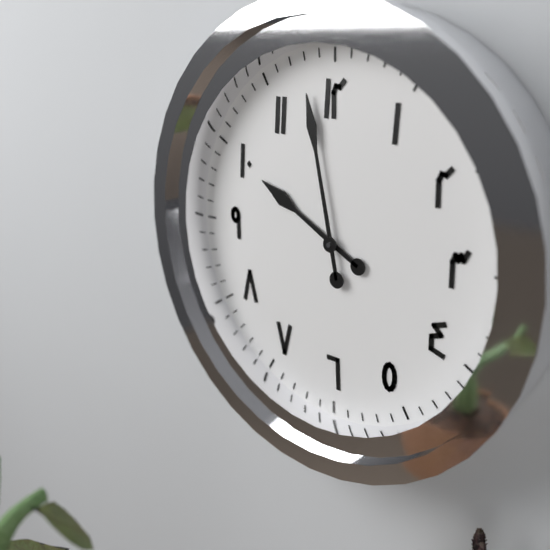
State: 9:58
